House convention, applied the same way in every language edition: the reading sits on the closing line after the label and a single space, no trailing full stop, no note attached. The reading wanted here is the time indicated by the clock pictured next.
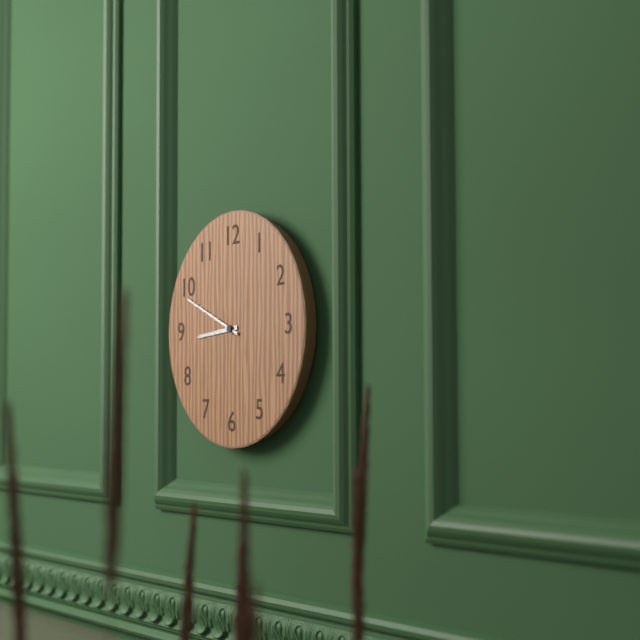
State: 8:49
